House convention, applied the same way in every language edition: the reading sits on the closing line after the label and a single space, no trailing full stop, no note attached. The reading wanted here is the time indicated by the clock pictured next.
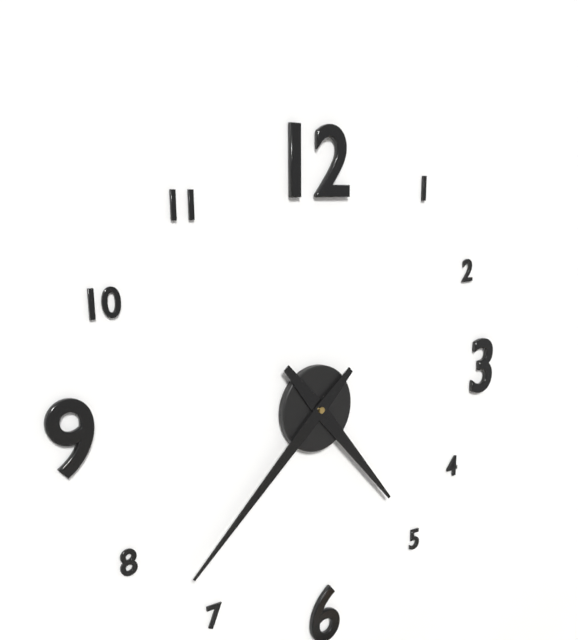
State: 4:38
